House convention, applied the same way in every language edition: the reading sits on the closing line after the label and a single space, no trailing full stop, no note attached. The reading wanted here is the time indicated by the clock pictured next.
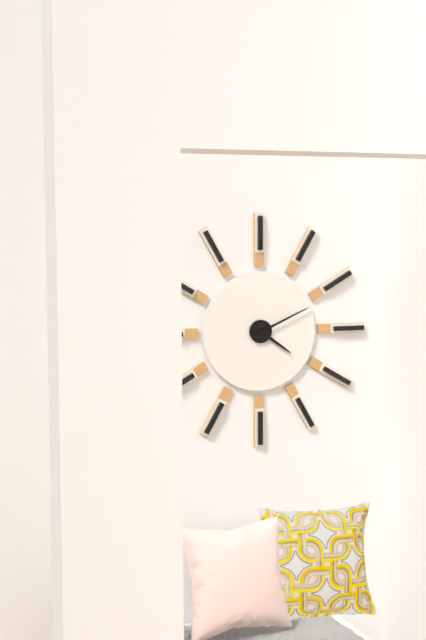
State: 4:11
